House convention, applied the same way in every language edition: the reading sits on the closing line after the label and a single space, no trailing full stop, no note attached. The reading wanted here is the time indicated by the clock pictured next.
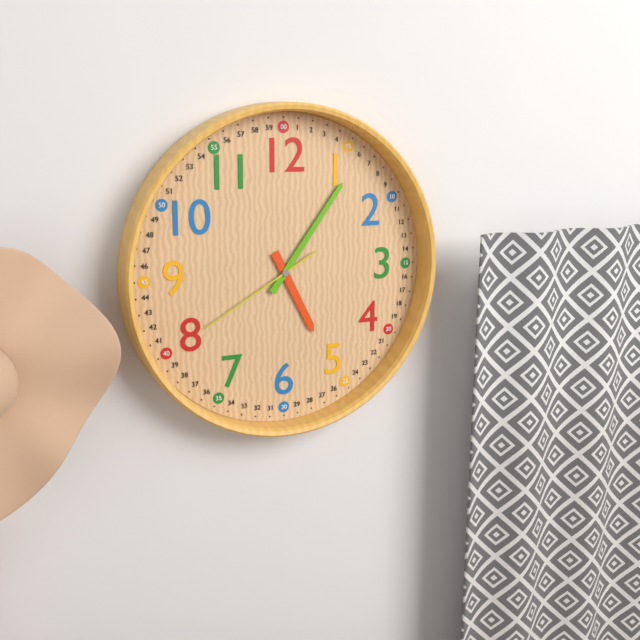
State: 5:06:40
